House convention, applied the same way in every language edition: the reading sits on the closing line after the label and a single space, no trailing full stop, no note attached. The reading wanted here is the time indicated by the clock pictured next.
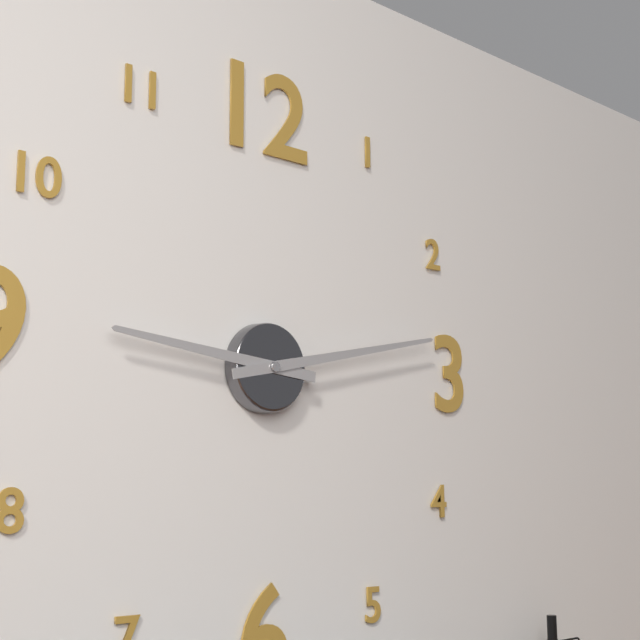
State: 9:13
